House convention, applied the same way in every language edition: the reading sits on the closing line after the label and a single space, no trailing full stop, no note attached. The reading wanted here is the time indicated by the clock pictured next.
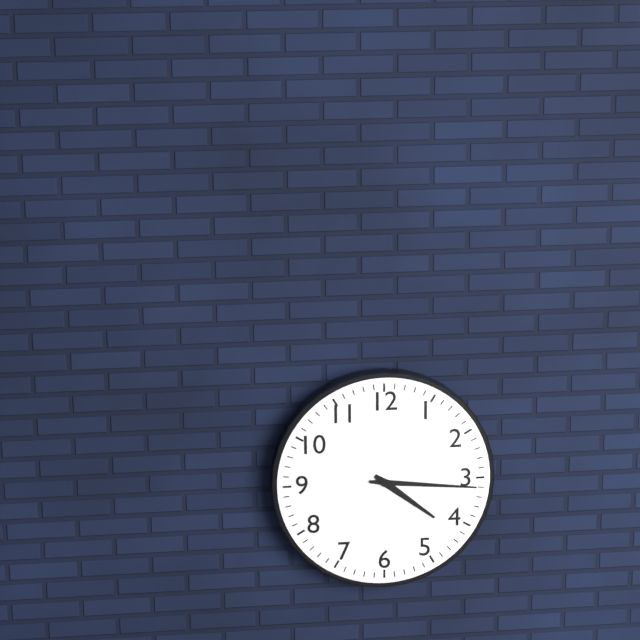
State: 4:16
